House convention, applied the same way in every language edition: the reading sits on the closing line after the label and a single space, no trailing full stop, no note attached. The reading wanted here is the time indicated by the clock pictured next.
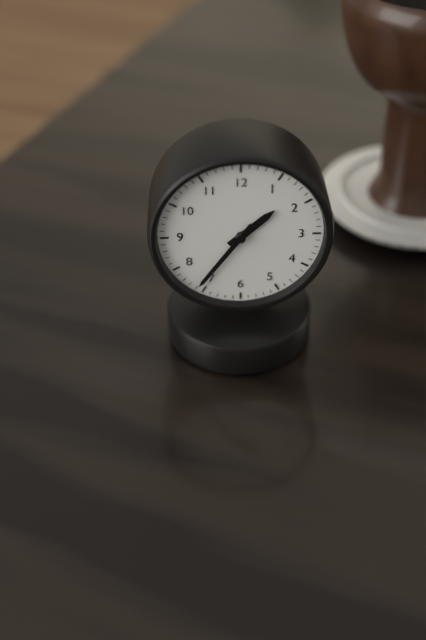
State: 1:36
